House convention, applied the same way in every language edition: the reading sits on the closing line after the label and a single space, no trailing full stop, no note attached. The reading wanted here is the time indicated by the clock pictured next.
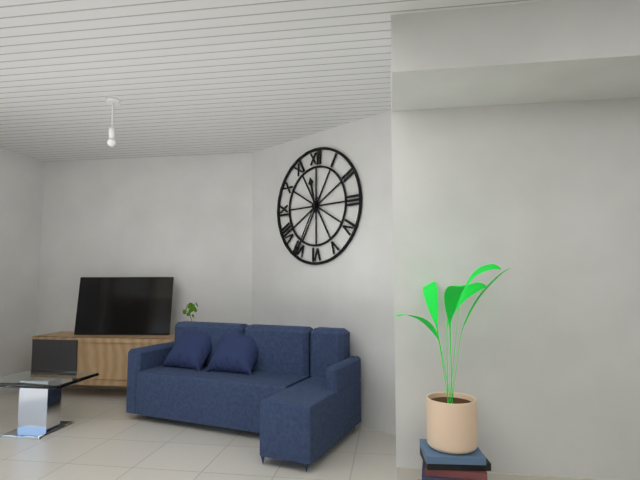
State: 11:35
